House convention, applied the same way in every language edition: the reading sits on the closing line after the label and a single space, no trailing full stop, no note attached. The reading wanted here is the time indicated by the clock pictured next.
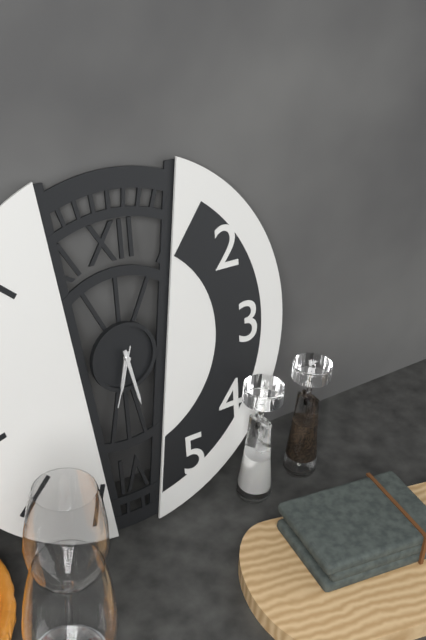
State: 6:28:33
